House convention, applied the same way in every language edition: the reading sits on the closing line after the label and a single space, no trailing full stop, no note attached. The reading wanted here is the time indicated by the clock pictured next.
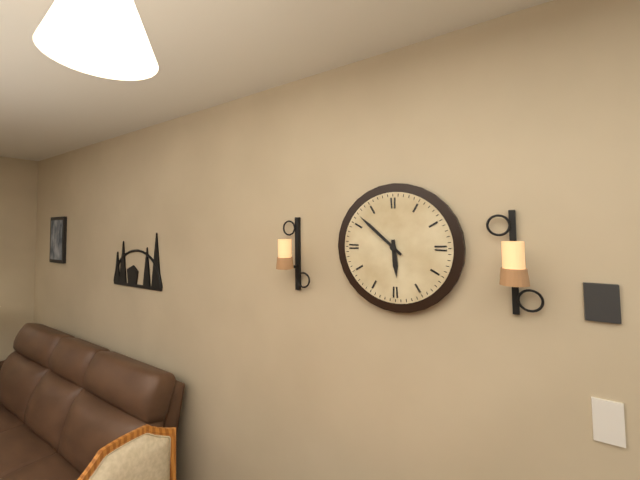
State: 5:52
